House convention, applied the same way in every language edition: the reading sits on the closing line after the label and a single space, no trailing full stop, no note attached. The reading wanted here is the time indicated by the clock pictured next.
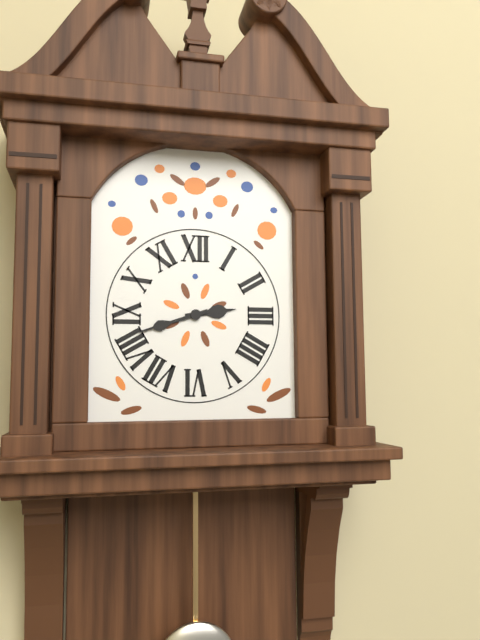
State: 2:42
